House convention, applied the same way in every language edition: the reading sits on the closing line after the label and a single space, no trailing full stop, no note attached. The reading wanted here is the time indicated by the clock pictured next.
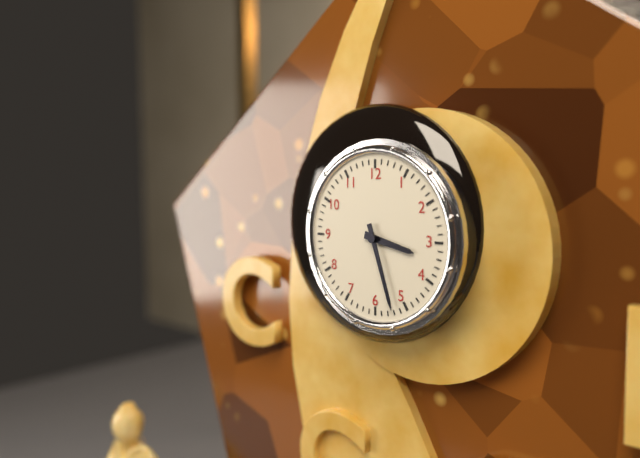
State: 3:27
